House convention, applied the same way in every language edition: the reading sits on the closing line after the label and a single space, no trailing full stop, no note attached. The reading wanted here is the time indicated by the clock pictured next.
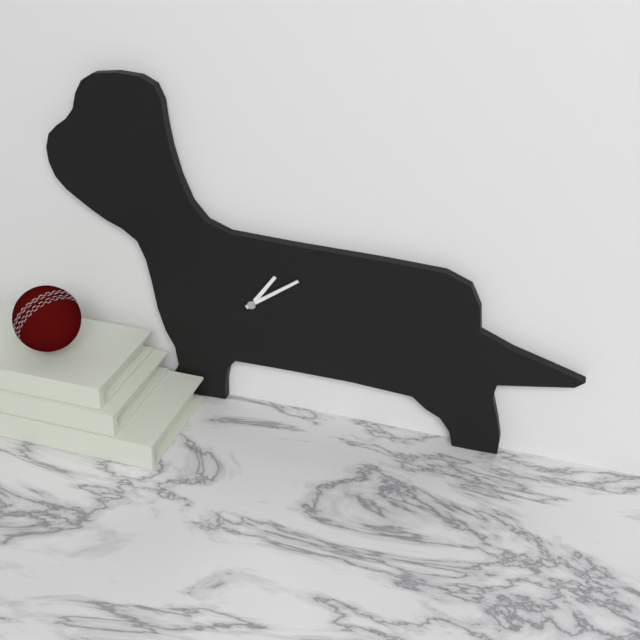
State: 1:09
